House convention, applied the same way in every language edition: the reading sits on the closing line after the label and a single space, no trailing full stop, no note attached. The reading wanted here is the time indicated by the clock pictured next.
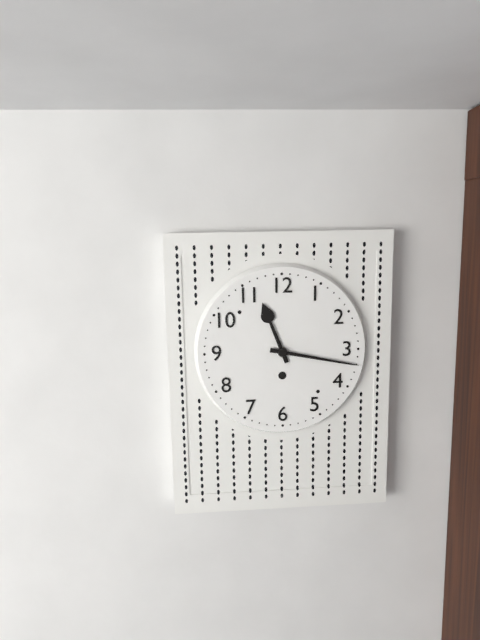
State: 11:17
